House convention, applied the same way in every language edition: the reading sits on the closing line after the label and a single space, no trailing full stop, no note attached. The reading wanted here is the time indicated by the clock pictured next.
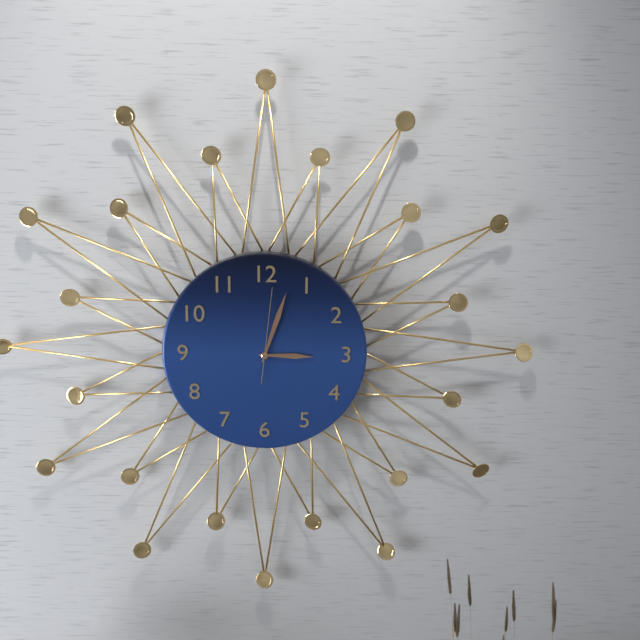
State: 3:03:01
